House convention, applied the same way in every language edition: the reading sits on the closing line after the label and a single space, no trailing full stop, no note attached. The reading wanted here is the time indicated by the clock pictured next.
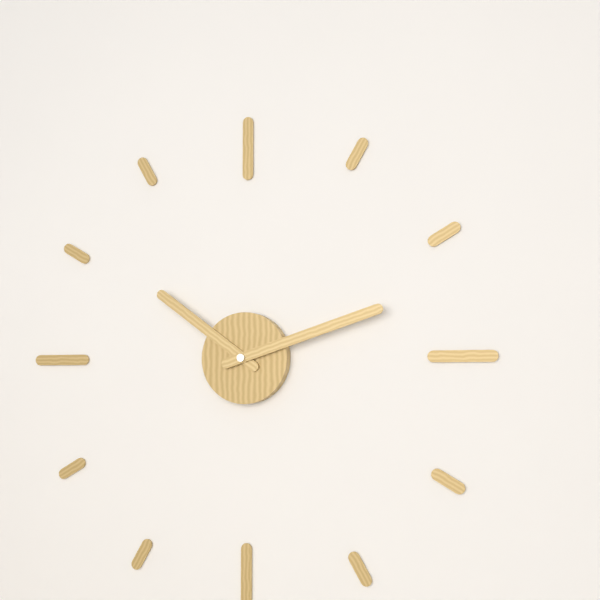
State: 10:12
